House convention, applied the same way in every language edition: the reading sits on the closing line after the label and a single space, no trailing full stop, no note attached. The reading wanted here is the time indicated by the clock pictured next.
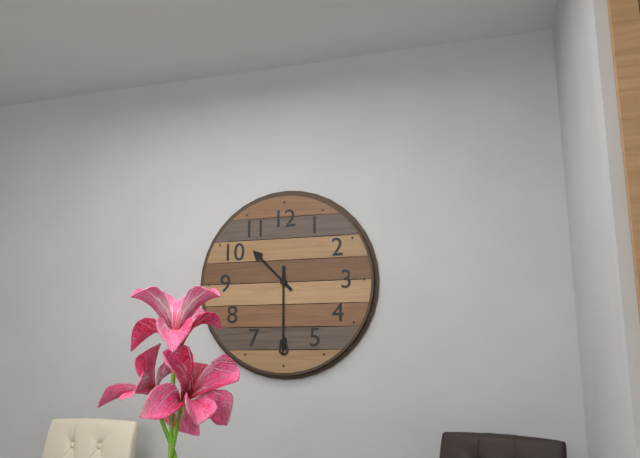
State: 10:30
